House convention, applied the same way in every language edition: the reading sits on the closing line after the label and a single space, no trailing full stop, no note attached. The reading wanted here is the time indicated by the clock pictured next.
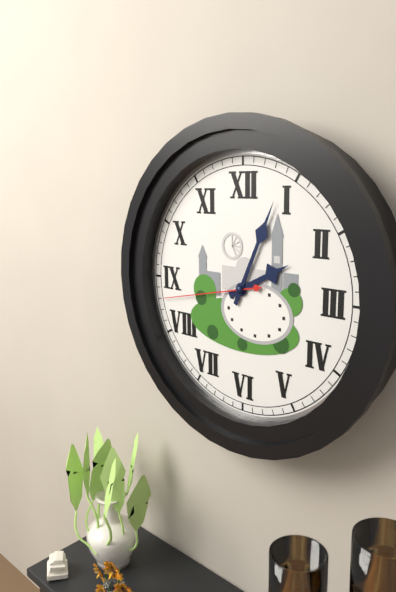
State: 2:04:43
